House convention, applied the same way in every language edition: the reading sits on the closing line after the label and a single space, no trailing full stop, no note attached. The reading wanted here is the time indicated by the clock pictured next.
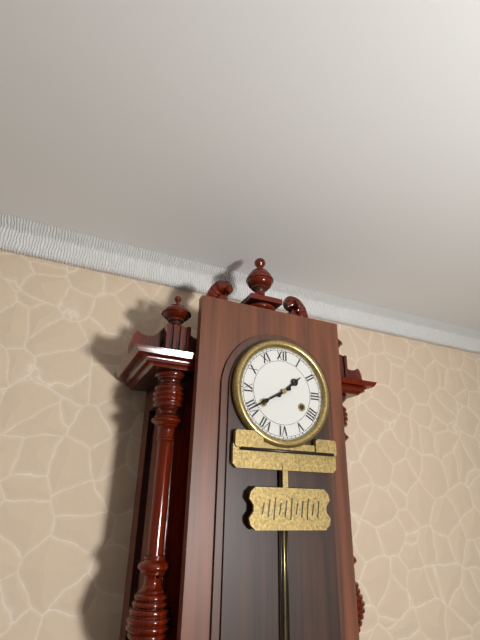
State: 1:40
